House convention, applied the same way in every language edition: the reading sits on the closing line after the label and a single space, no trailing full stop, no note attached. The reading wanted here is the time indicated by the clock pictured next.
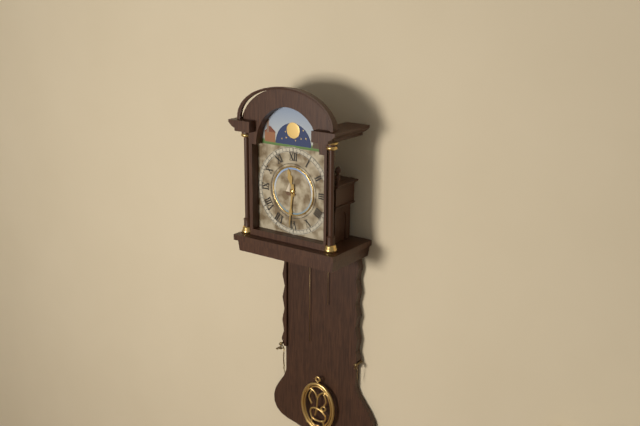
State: 11:31
